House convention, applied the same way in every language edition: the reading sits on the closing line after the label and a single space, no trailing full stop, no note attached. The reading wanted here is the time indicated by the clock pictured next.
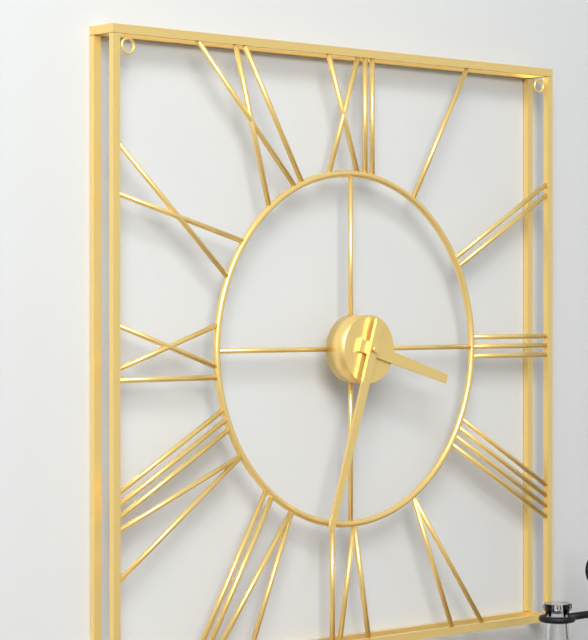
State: 3:33
